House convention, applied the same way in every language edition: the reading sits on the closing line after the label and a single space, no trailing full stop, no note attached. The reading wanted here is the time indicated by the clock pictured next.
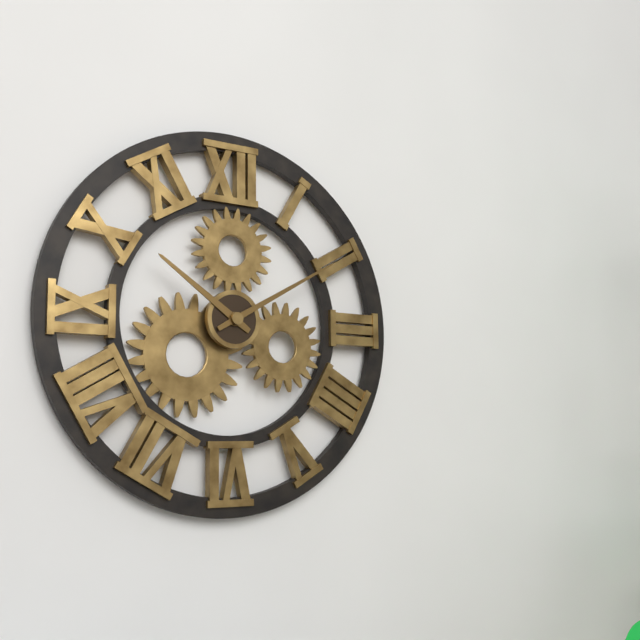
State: 10:10
